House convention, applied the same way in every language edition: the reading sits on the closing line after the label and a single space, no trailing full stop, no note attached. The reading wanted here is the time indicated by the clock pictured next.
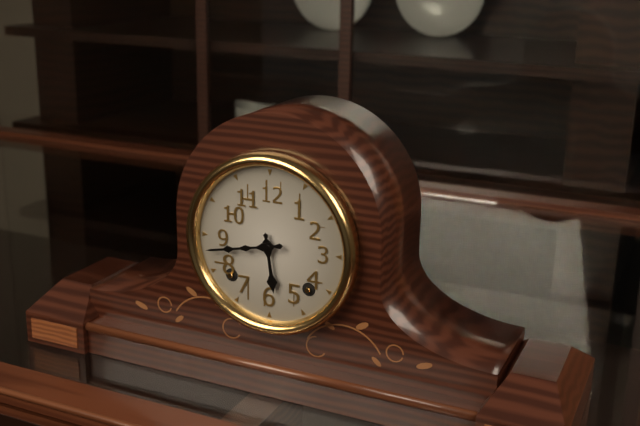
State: 5:43
